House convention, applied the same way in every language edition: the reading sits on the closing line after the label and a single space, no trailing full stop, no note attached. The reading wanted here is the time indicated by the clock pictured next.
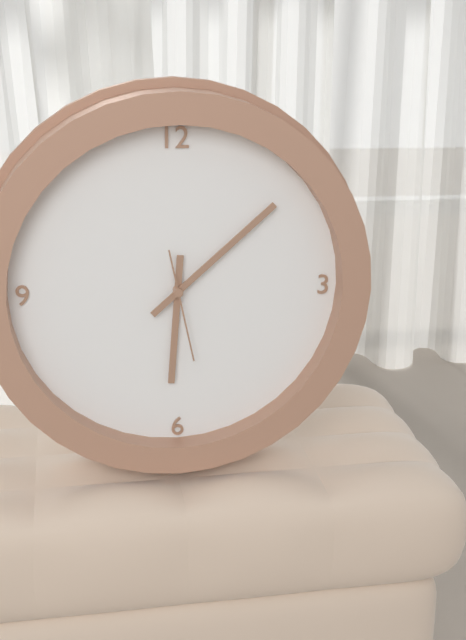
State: 6:08:28
